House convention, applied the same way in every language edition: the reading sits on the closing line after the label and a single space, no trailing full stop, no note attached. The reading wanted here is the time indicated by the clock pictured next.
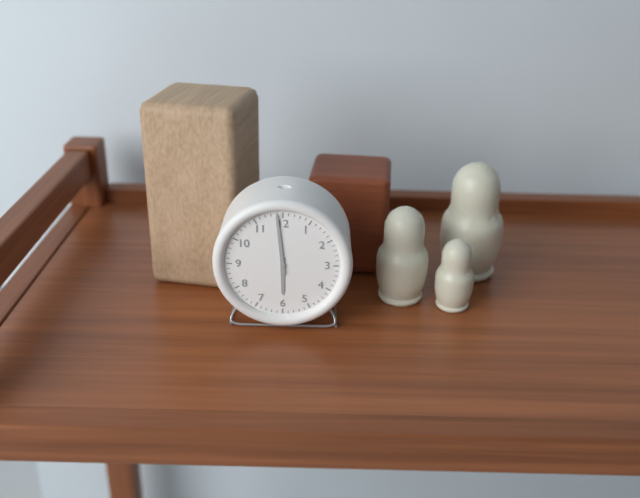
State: 5:59
